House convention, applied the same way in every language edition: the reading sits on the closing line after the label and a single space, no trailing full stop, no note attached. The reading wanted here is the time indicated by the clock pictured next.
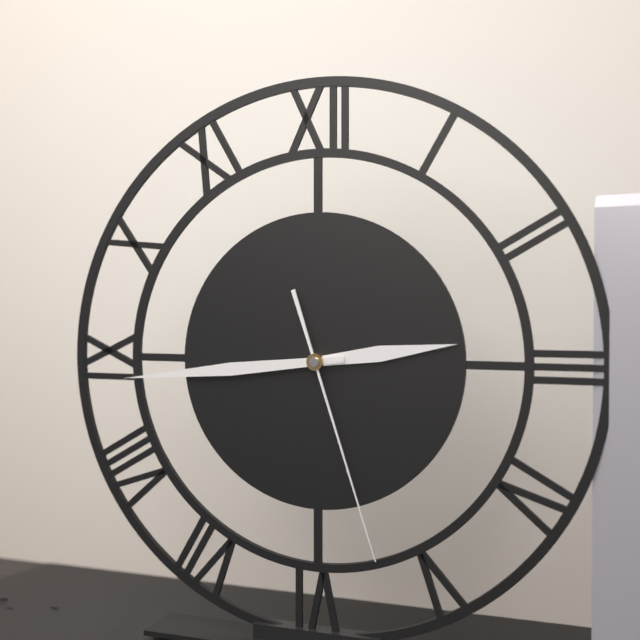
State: 2:44:27
